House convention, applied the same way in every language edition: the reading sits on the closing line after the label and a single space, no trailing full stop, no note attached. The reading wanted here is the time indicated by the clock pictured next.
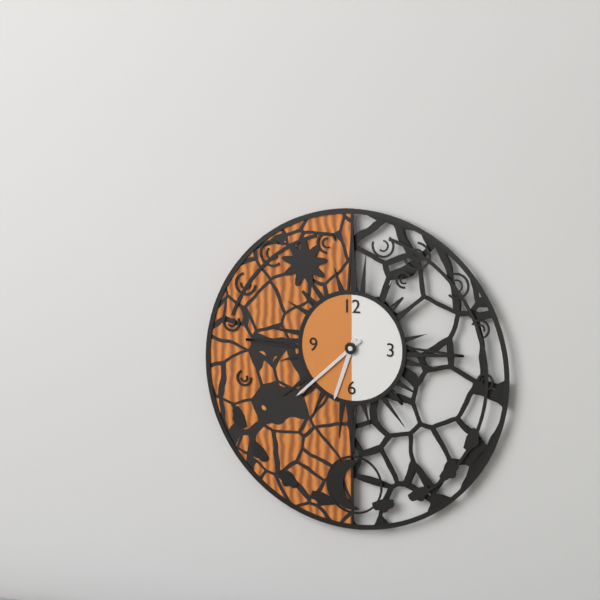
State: 6:38
